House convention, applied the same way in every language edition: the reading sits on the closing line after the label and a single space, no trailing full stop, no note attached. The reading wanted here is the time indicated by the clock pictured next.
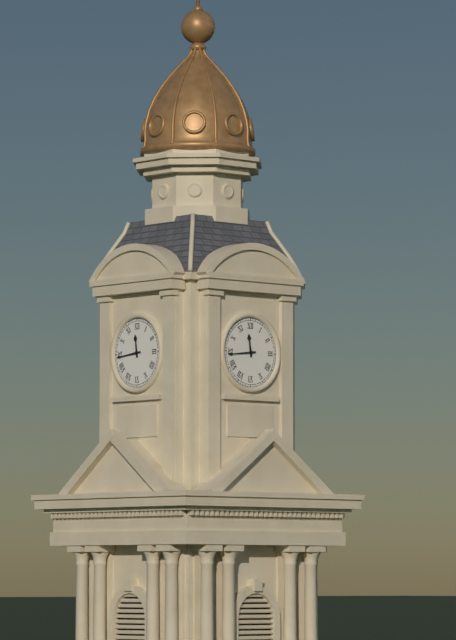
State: 11:44
